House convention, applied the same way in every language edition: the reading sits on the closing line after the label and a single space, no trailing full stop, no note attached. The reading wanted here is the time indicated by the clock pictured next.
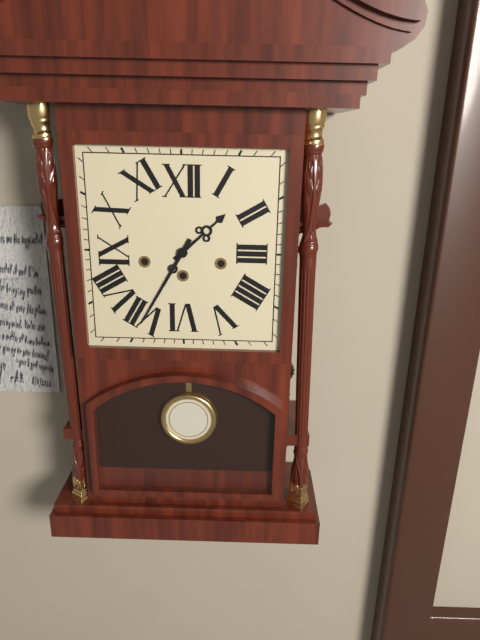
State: 1:35
